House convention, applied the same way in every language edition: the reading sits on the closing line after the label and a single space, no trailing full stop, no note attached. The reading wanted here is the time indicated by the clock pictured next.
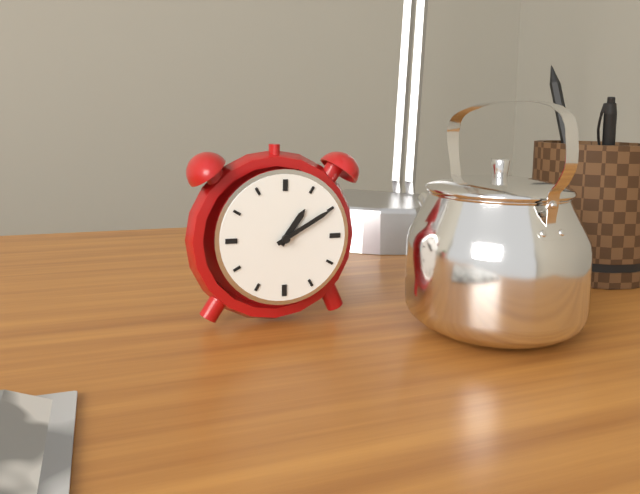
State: 1:10
